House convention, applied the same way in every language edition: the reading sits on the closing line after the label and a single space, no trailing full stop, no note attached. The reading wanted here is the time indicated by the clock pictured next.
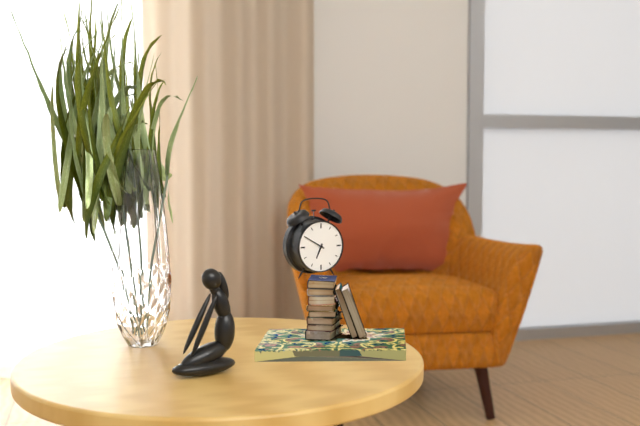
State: 6:50
